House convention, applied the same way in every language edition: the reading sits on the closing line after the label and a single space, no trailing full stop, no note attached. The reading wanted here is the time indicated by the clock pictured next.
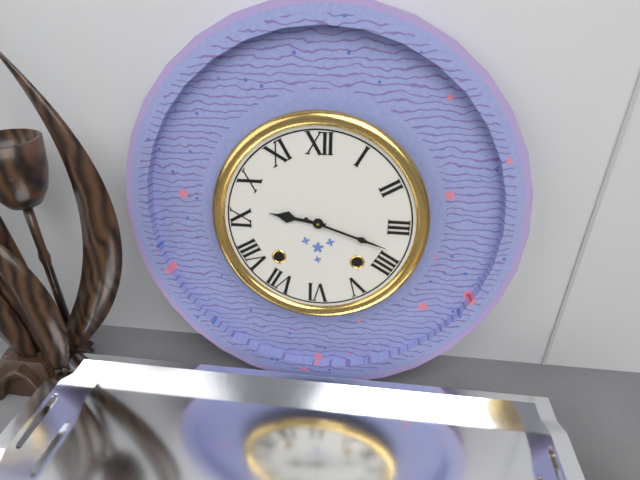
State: 9:18
